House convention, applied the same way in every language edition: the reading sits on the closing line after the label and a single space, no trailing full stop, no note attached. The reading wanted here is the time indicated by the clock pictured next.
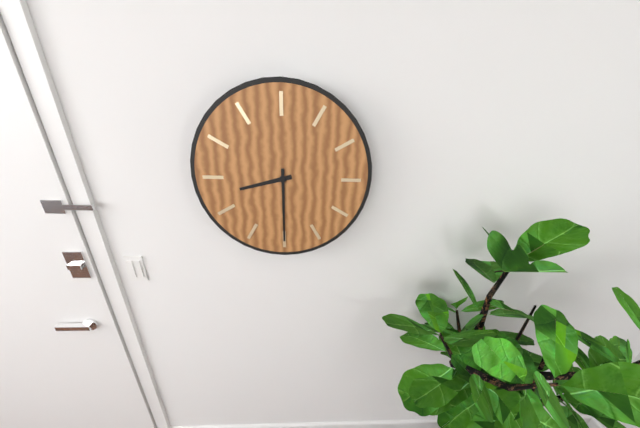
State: 8:30
